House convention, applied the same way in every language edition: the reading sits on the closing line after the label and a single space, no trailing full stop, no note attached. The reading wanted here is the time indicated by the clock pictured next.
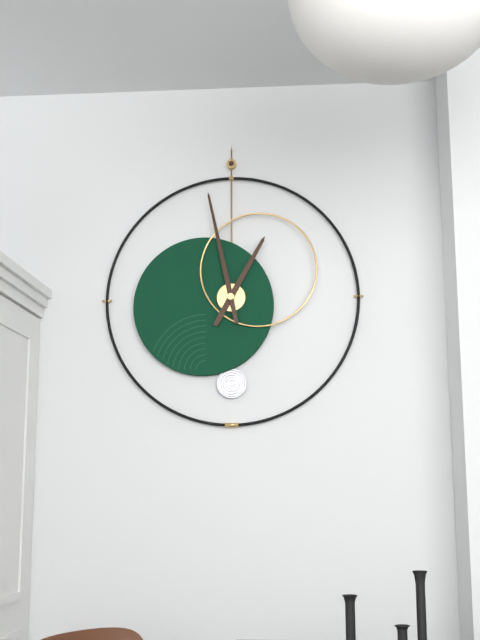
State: 12:58
